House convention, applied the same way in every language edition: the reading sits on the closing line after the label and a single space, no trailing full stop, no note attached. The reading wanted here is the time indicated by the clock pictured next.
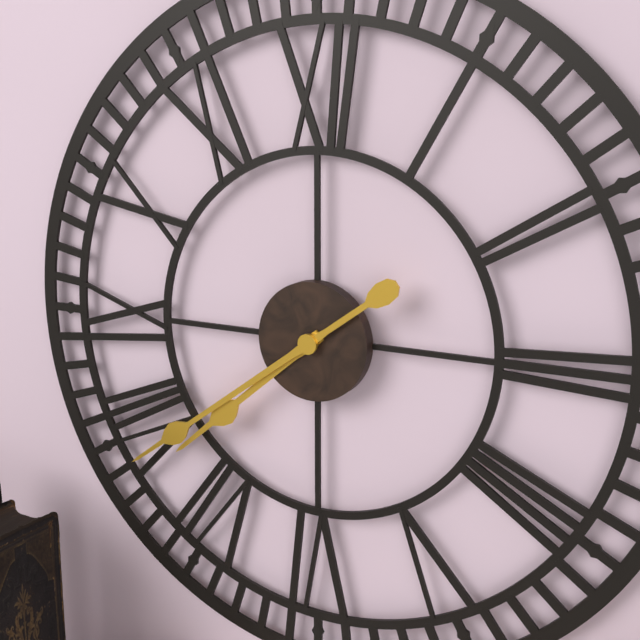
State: 7:39
